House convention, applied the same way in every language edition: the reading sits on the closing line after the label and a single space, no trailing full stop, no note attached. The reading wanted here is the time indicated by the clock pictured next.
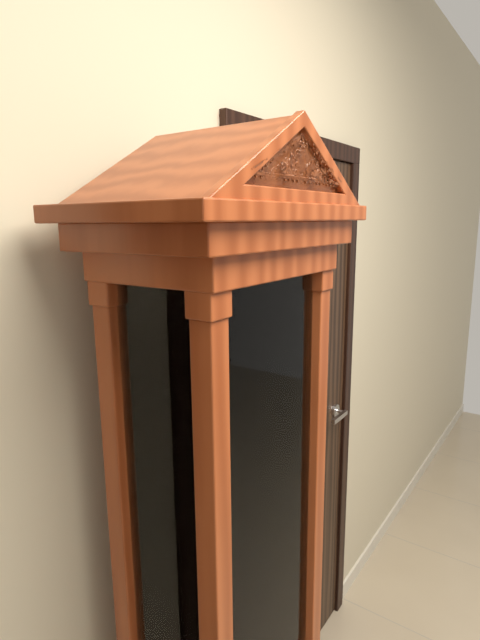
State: 4:20
